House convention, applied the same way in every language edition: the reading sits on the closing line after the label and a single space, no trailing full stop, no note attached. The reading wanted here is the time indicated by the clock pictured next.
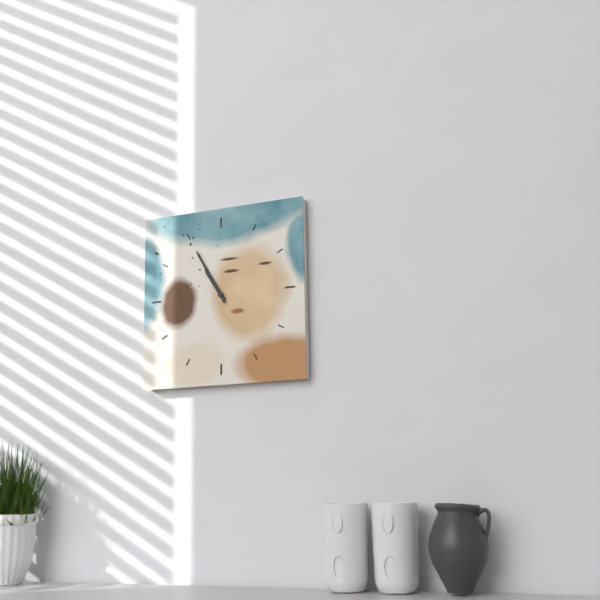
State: 10:55
